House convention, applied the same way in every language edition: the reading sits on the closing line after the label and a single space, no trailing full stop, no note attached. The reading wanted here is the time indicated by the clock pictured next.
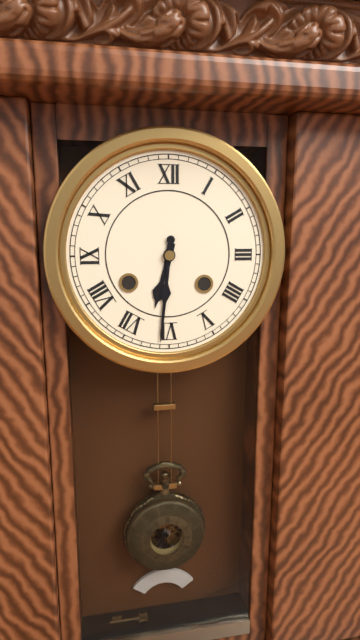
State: 6:31
